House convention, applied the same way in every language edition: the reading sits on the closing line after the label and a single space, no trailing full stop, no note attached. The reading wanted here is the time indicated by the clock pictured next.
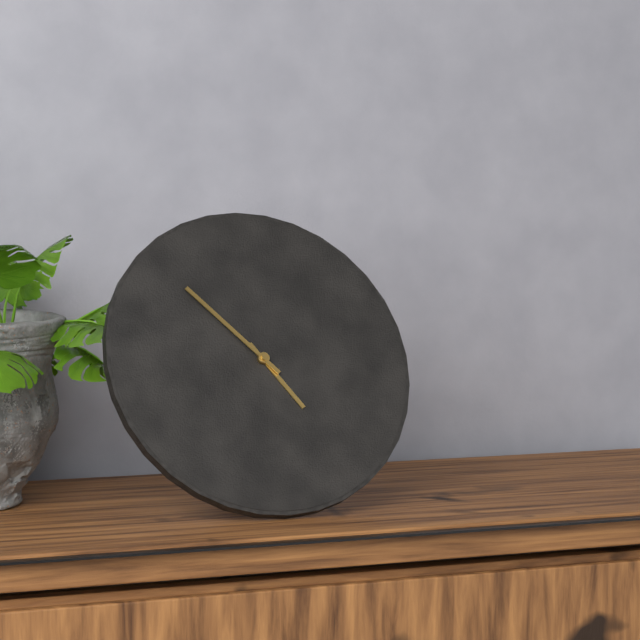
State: 4:53
